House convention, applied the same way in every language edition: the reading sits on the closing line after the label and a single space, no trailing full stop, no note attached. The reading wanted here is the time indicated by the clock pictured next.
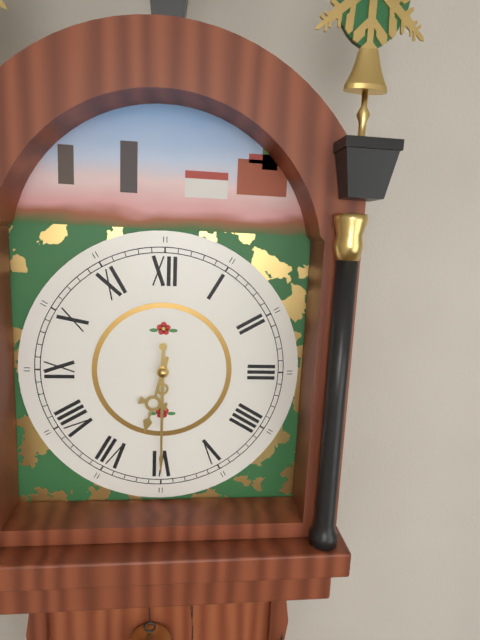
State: 6:30
